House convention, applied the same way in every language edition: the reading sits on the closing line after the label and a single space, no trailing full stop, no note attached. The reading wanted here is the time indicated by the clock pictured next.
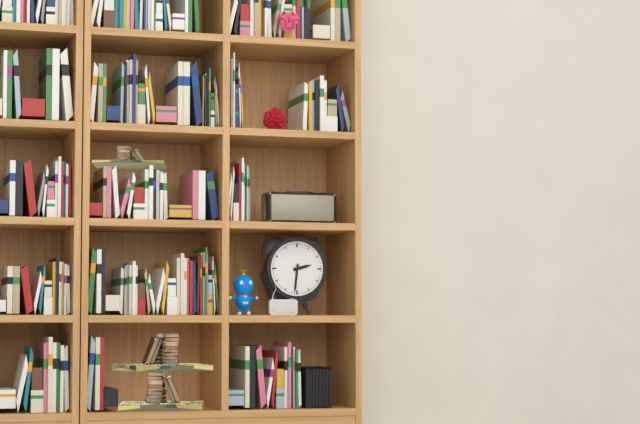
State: 2:31
